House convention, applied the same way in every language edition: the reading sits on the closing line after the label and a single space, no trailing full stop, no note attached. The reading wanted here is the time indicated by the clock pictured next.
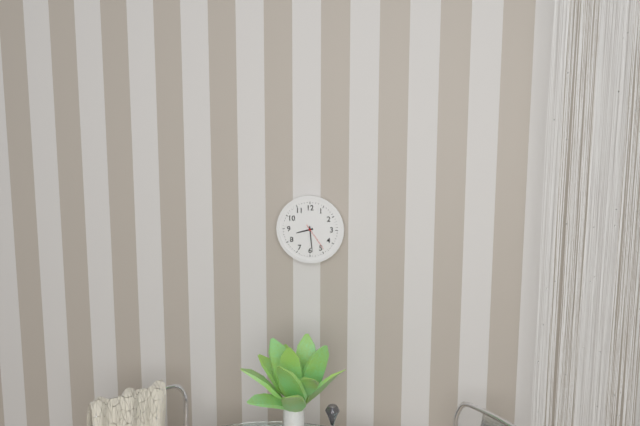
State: 8:29
